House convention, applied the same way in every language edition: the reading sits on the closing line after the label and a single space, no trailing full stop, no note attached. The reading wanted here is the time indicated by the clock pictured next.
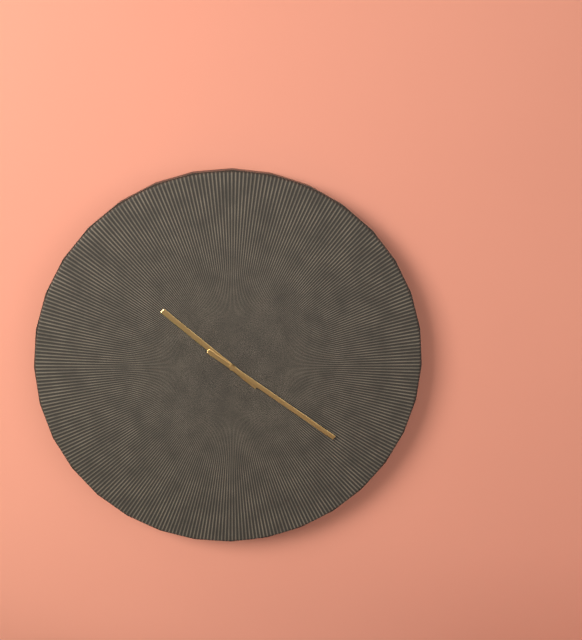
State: 10:21
